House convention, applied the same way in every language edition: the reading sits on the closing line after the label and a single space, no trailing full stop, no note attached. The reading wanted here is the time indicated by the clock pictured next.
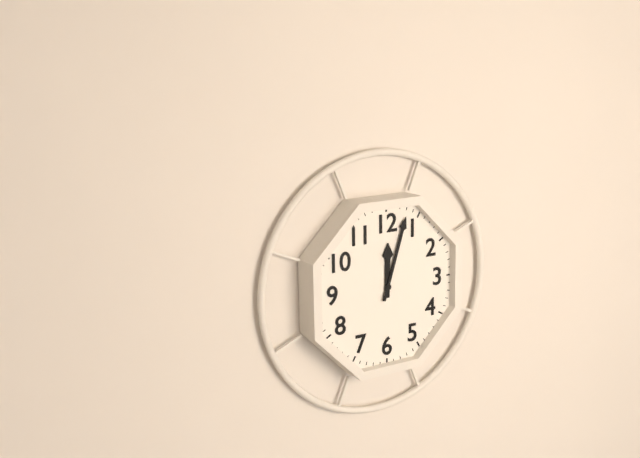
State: 12:03
